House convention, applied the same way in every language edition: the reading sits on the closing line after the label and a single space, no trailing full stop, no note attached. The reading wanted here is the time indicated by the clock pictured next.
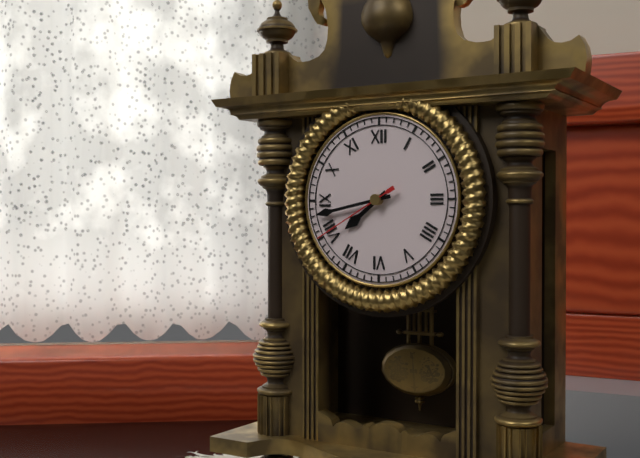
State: 7:43:40
